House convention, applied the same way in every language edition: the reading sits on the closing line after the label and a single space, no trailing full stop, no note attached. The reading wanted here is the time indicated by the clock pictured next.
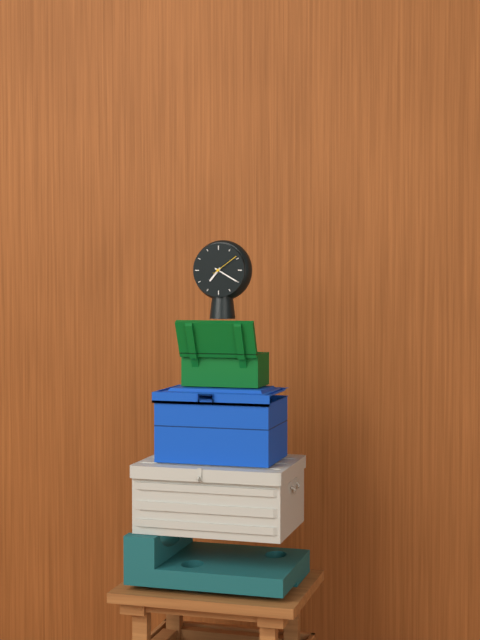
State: 7:20
